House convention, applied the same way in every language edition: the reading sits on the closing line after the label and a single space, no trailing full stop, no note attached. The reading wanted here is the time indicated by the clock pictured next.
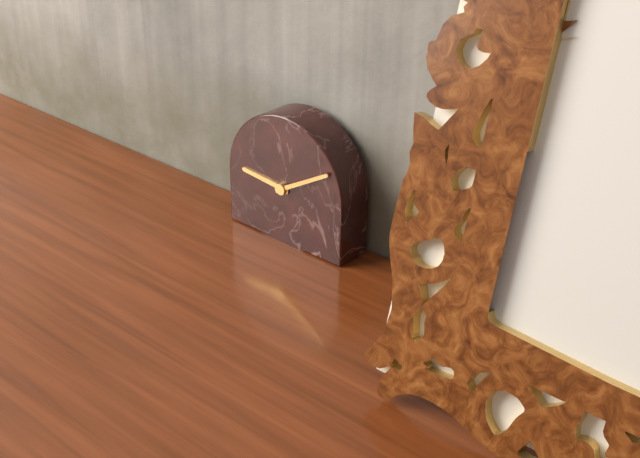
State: 9:10
